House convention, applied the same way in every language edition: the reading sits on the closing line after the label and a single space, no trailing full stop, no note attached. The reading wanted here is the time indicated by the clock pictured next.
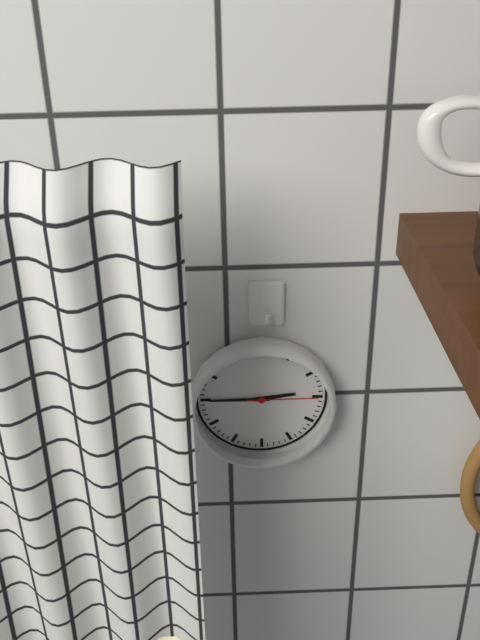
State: 2:45:15
